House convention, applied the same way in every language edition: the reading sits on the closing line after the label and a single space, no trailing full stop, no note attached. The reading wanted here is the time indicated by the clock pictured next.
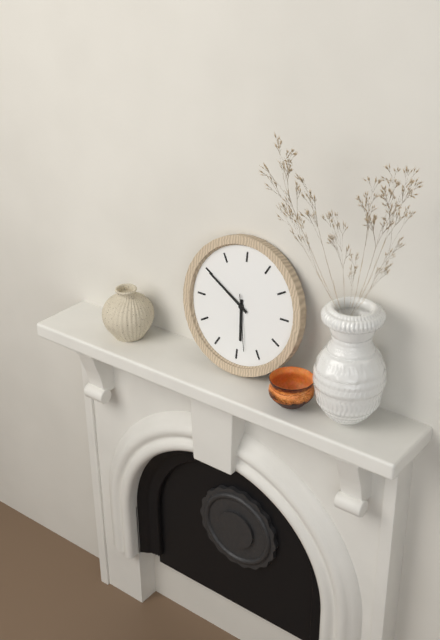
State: 5:50:28
